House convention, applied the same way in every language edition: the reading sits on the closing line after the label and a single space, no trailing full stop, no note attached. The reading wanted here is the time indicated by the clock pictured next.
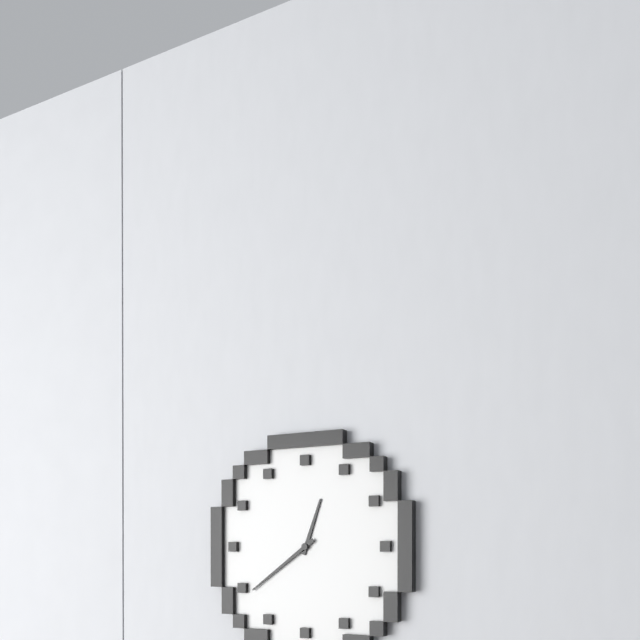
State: 12:39
